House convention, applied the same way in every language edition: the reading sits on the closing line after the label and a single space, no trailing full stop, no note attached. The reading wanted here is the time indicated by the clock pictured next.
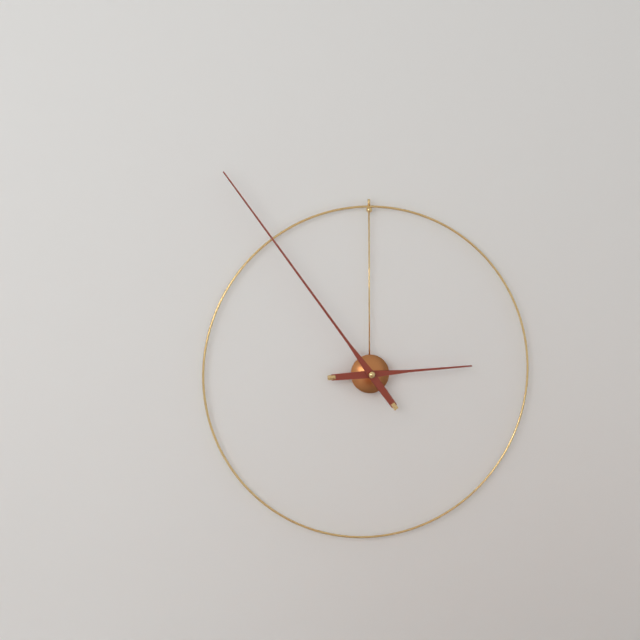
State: 2:54
